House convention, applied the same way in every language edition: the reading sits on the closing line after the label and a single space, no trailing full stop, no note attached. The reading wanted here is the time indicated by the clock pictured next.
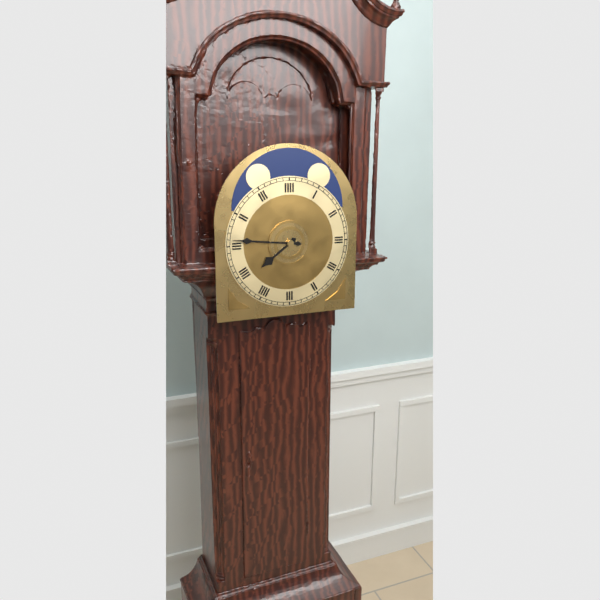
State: 7:46
